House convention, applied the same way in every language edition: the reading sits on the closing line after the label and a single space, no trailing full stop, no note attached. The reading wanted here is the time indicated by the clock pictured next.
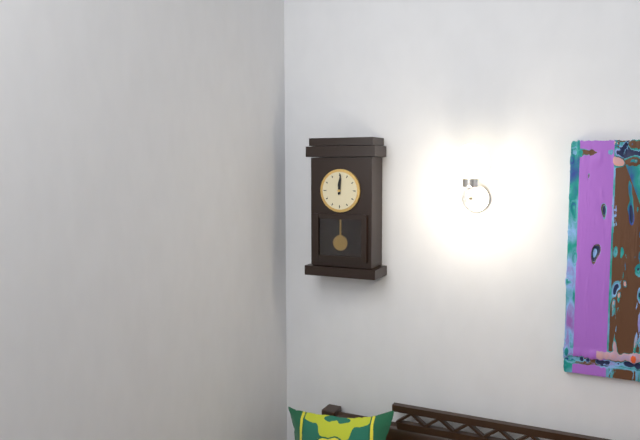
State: 12:01
